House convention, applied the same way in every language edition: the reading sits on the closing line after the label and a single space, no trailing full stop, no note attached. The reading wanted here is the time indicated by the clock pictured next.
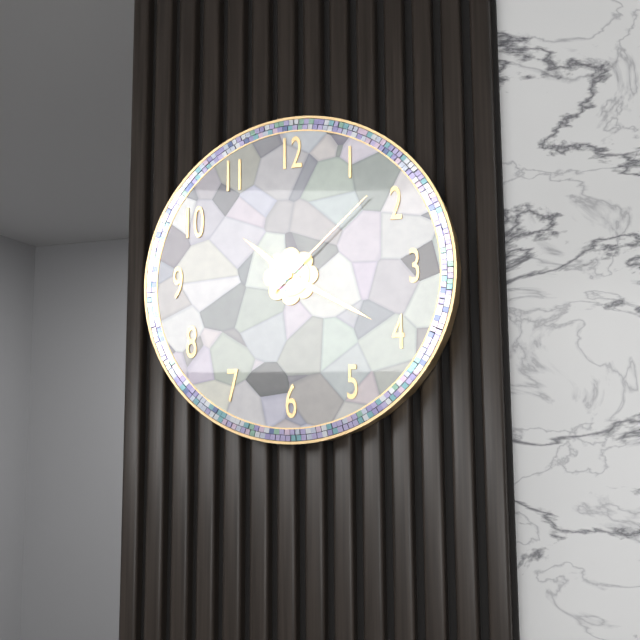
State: 10:20:08
